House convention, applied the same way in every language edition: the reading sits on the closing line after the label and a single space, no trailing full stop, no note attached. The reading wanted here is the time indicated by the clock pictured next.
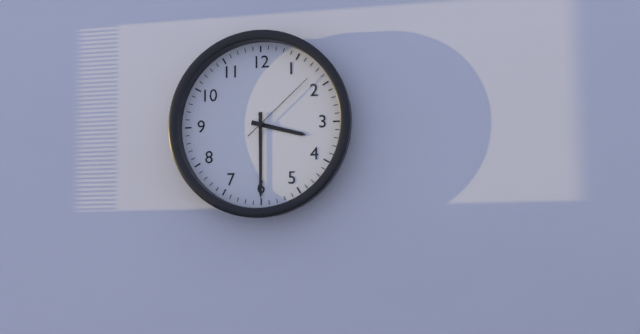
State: 3:30:08
